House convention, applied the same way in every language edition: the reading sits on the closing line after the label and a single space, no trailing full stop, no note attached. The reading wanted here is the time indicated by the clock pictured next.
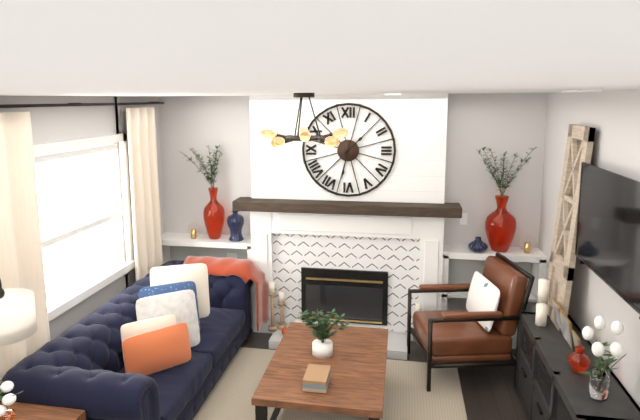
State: 1:32
